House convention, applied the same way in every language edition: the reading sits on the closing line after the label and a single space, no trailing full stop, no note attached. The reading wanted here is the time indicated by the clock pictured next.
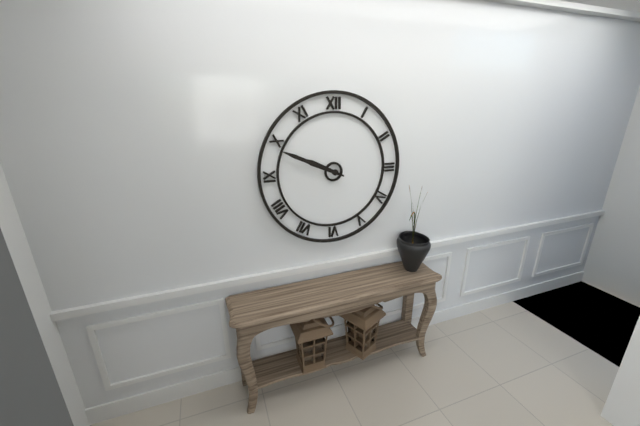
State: 9:49
